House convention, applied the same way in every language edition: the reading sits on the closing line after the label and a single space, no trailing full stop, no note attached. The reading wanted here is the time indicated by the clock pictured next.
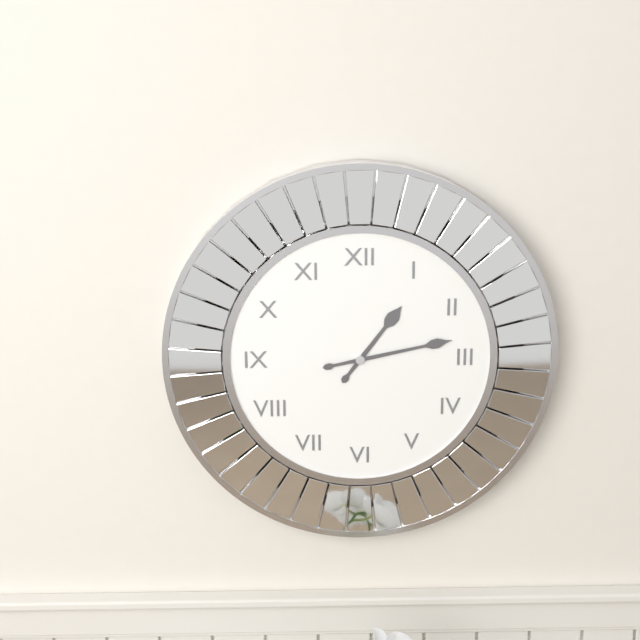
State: 1:13
